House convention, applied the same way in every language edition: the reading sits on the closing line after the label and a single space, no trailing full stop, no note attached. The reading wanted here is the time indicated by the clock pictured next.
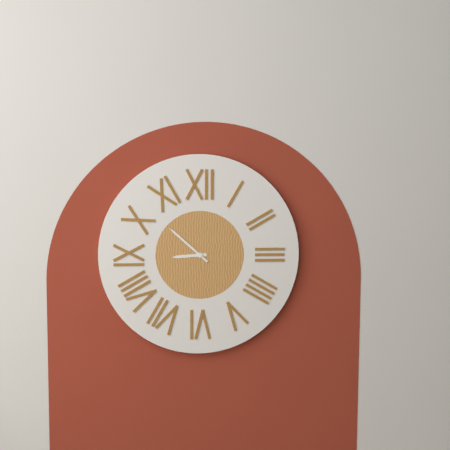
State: 8:52
